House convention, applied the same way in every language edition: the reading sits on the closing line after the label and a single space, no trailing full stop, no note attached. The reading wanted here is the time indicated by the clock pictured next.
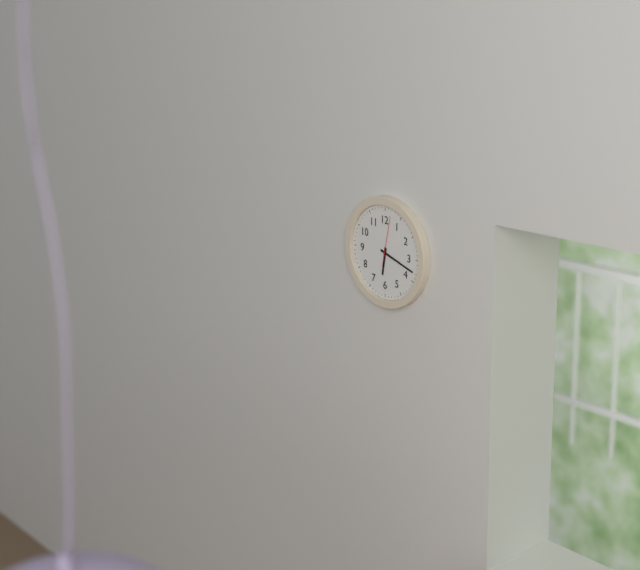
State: 6:18
